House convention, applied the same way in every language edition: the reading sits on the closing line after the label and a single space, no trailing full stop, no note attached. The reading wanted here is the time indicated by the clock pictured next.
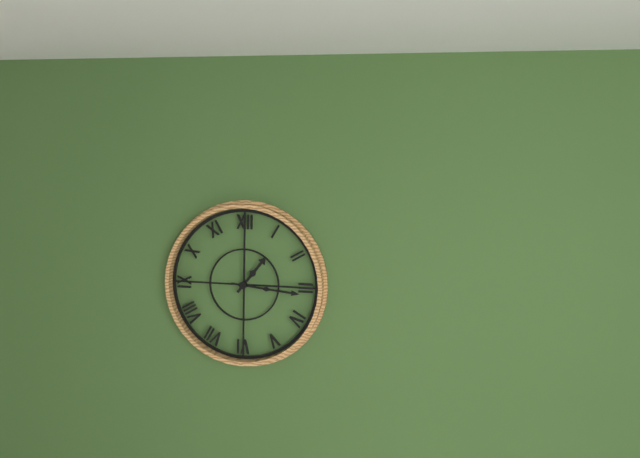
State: 1:16
